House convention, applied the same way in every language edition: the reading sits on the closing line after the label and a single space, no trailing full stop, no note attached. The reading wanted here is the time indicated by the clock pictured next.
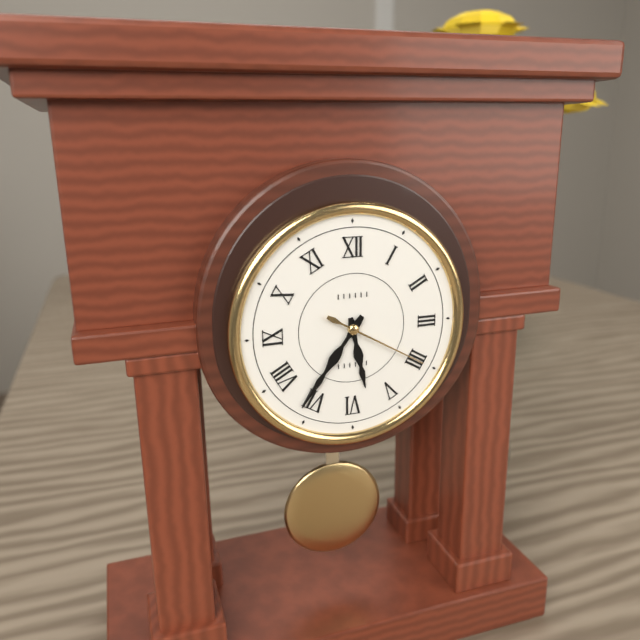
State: 5:36:20
